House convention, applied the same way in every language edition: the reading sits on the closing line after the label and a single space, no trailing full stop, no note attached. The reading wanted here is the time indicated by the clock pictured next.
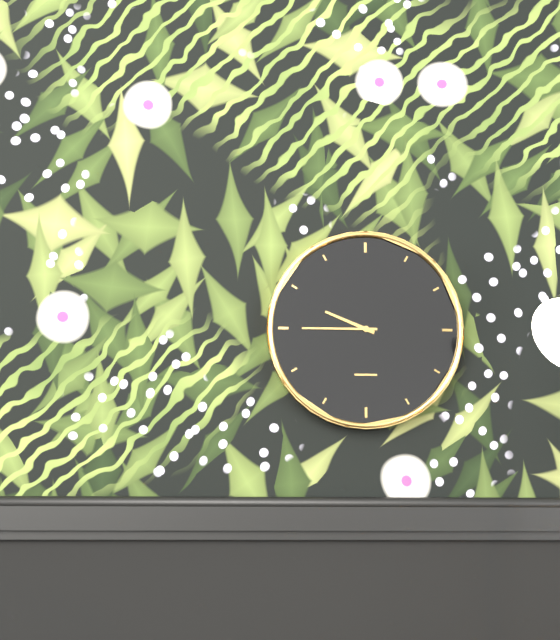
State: 9:45
